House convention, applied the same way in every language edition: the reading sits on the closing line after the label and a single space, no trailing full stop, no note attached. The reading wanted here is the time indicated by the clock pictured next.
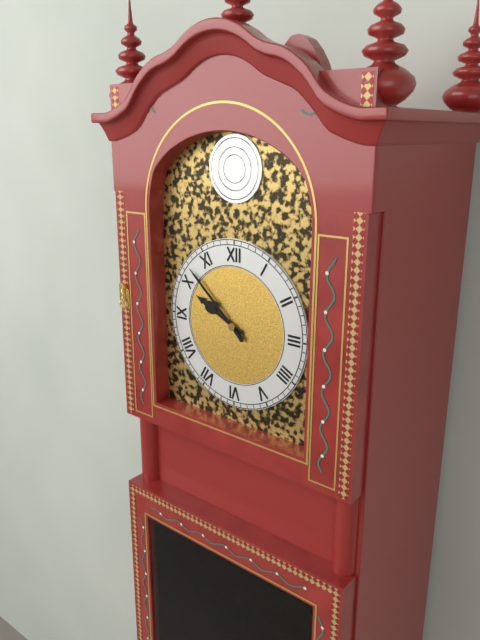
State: 9:52
